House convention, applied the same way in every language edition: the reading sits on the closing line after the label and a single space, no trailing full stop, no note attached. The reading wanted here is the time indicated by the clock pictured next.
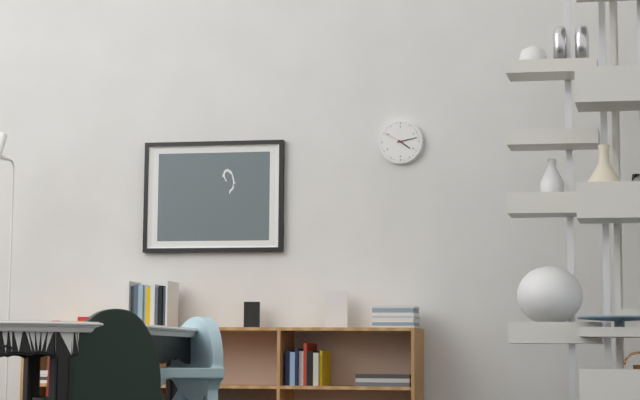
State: 4:13
